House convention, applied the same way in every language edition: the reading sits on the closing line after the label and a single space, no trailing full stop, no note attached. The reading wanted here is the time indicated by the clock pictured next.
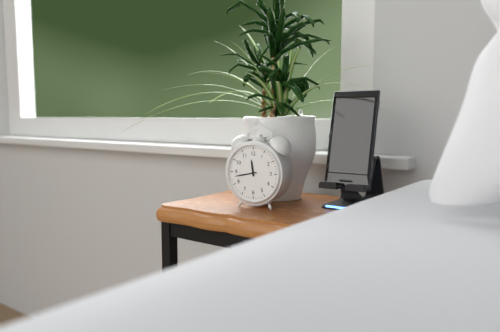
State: 11:43
